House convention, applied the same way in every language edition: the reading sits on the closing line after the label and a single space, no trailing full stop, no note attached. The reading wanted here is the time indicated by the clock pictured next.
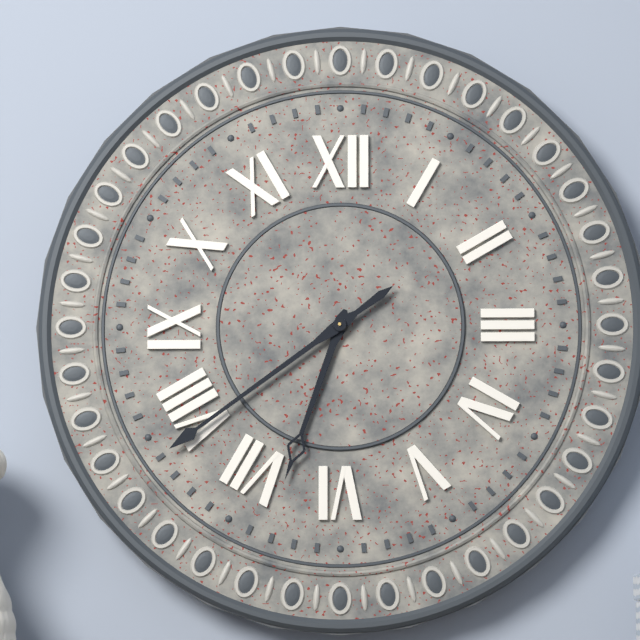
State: 6:39
